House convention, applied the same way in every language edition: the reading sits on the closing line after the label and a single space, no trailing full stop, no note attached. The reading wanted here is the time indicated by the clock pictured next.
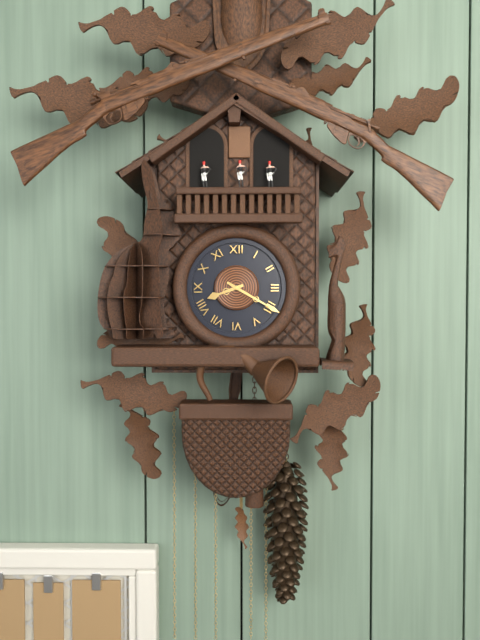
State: 8:20
